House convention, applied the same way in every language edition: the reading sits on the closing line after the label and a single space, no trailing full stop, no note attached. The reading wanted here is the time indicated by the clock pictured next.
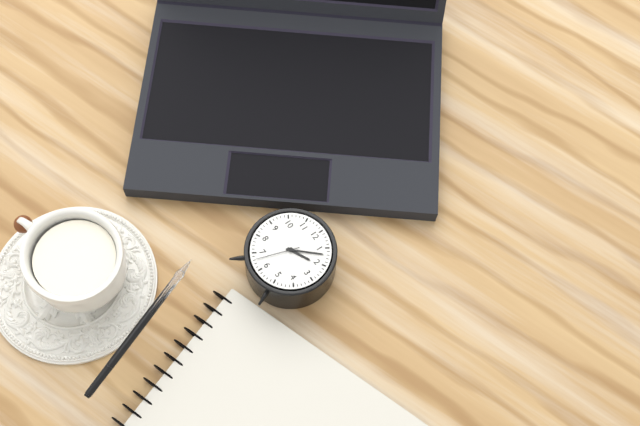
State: 2:07
